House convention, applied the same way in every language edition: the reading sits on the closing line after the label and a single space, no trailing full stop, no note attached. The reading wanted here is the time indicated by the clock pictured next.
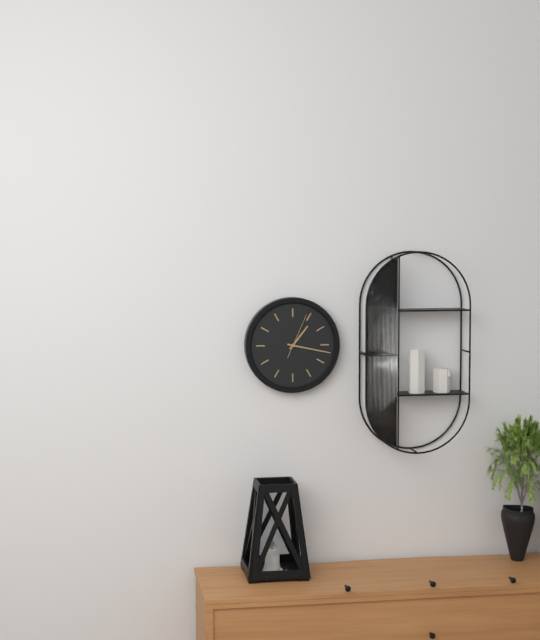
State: 1:17
